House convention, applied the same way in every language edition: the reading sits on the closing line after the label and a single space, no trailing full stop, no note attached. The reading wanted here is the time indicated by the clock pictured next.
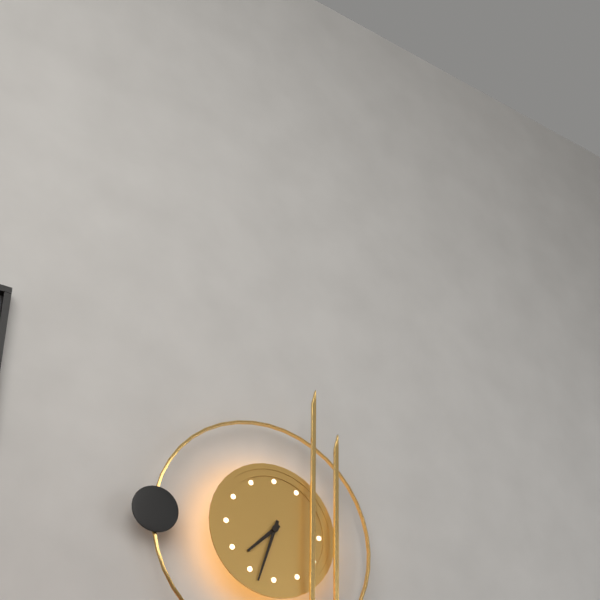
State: 7:33
